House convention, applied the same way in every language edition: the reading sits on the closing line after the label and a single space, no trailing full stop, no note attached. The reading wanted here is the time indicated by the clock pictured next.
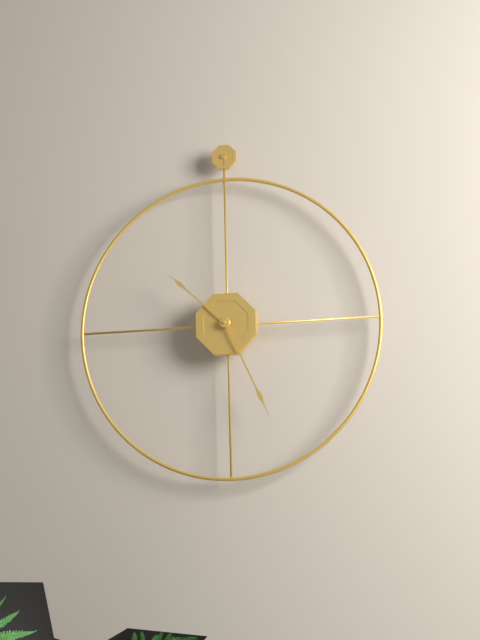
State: 10:26
